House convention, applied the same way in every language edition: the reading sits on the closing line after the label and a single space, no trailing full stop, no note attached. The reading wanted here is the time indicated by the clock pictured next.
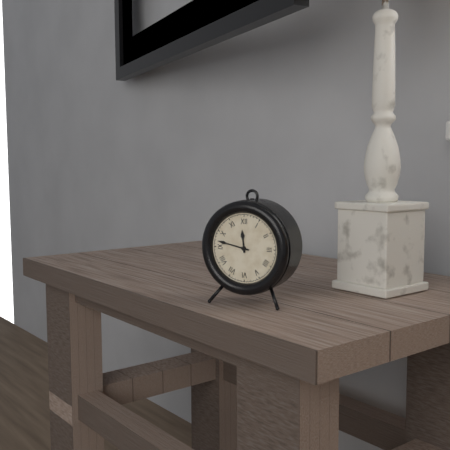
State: 11:47
